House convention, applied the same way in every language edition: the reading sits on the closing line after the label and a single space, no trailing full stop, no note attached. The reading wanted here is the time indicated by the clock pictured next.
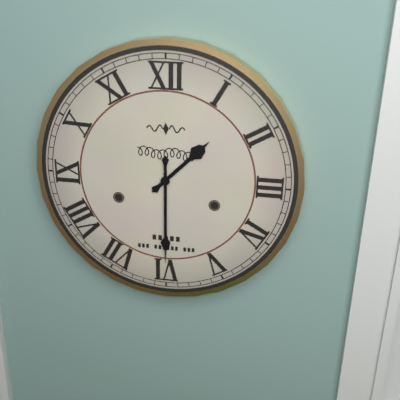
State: 1:30
